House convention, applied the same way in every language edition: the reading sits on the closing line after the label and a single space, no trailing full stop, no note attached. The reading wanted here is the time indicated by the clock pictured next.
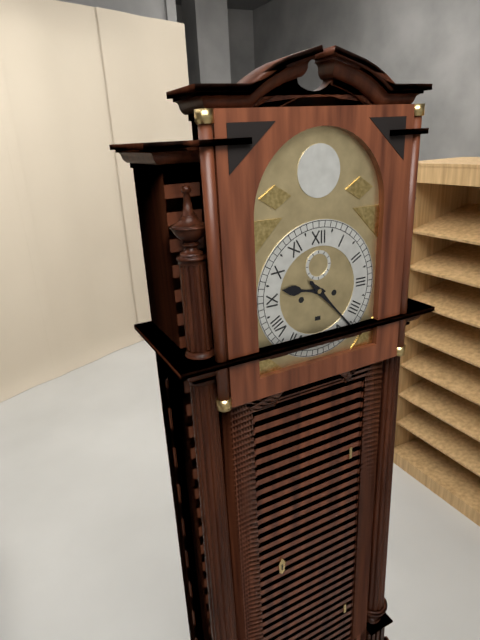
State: 9:23
